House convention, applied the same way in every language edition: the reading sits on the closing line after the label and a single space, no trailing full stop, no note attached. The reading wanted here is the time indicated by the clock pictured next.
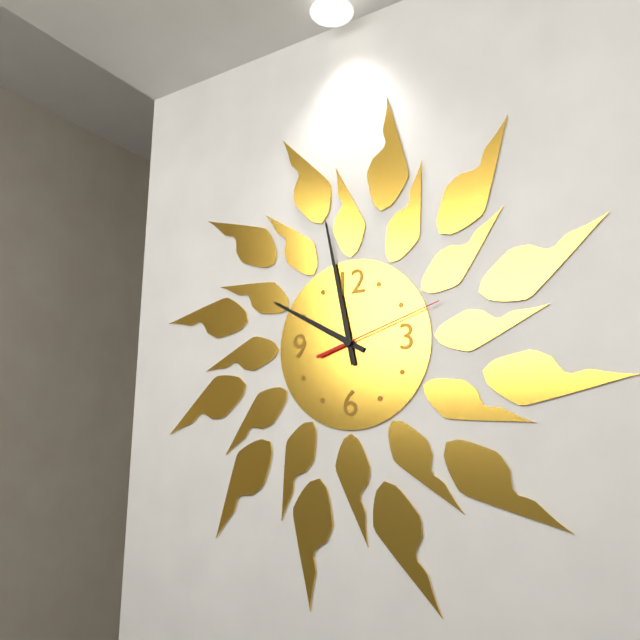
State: 9:58:12
